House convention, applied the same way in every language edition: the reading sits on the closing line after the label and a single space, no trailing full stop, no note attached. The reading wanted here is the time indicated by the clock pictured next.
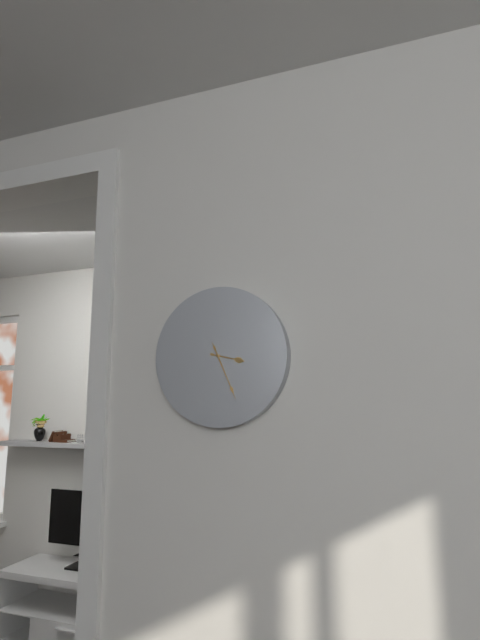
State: 3:26:26
